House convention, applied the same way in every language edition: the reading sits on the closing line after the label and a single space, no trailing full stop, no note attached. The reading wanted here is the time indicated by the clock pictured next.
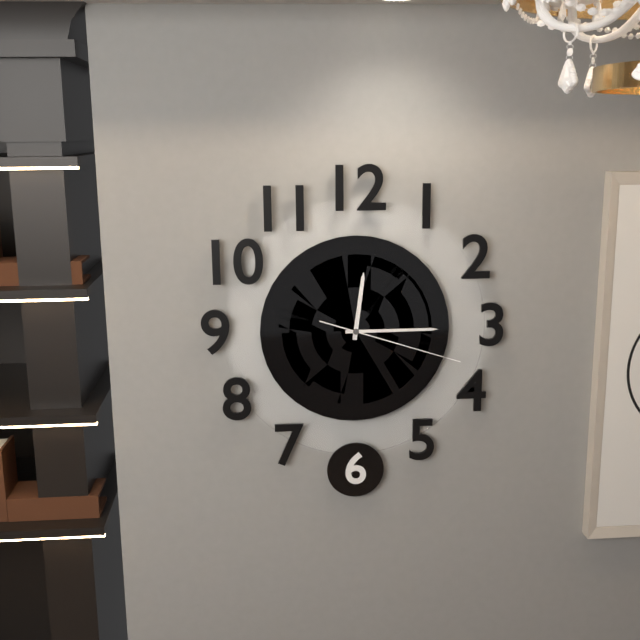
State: 12:15:18
